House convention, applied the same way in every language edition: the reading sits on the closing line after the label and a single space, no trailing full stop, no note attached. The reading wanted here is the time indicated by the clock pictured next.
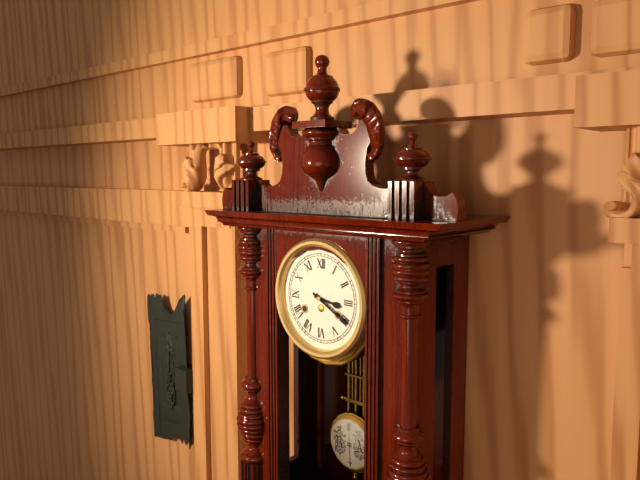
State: 3:20
